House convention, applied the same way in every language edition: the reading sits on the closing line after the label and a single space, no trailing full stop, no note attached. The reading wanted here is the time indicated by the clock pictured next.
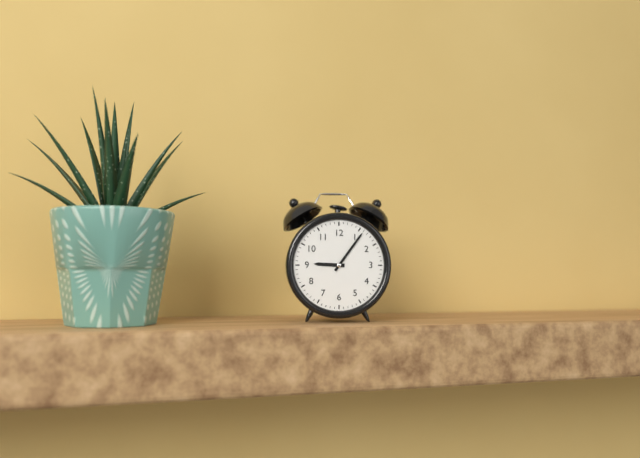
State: 9:06
